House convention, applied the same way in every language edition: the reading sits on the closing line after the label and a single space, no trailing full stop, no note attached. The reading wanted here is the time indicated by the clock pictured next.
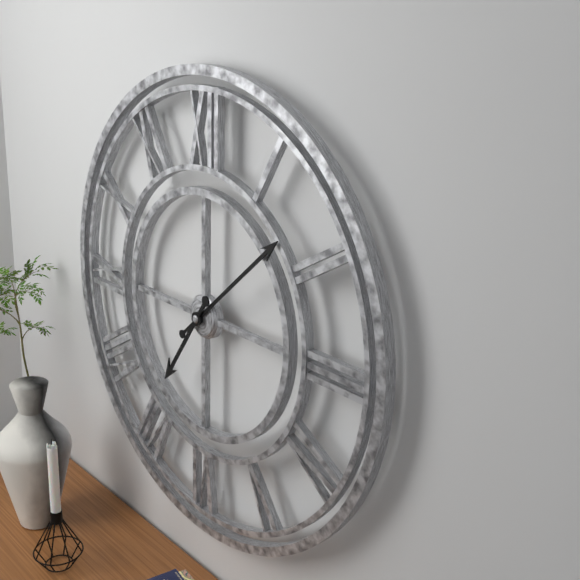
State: 7:08
